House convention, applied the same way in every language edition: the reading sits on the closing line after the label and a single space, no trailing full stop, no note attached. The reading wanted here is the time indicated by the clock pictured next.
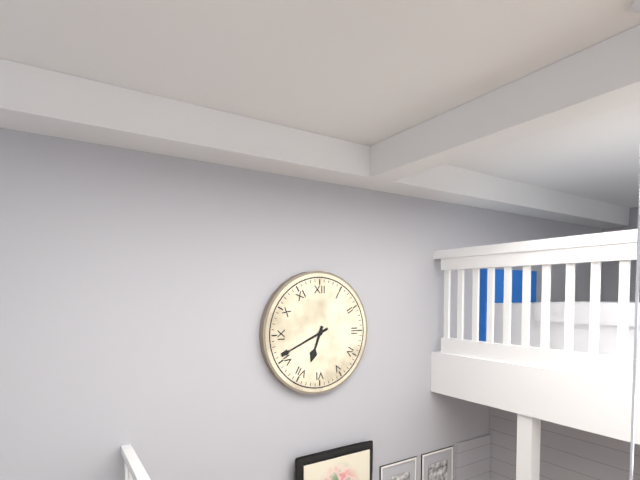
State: 6:41
